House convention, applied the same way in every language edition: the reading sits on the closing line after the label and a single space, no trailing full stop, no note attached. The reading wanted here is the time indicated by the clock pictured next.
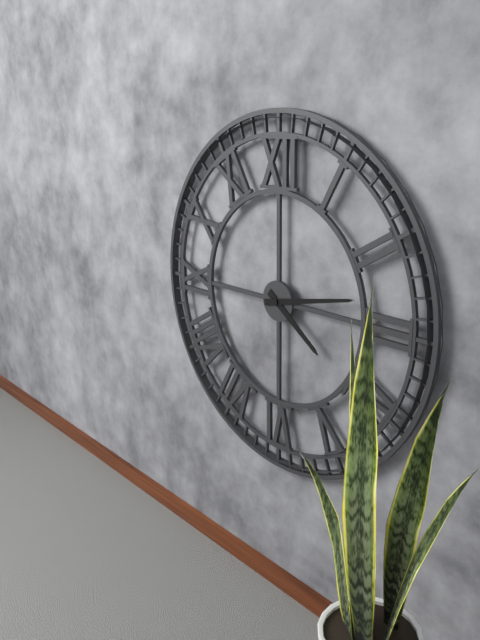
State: 4:13
